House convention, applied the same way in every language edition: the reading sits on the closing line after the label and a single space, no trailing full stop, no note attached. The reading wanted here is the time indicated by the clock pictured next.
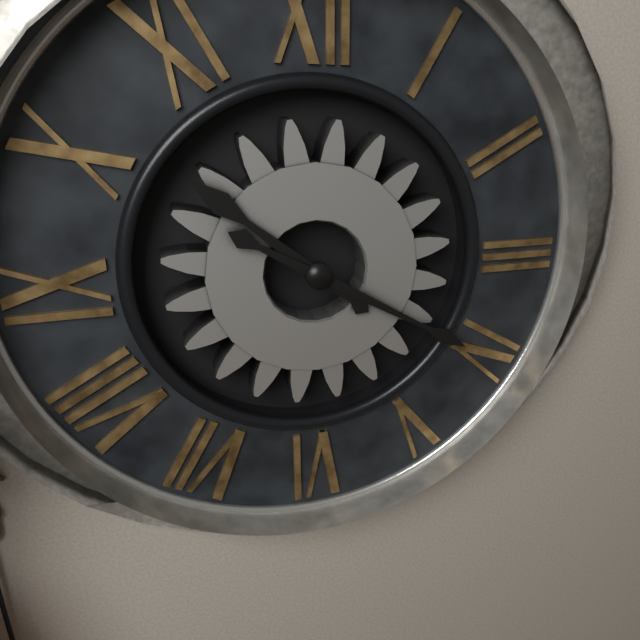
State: 10:20
